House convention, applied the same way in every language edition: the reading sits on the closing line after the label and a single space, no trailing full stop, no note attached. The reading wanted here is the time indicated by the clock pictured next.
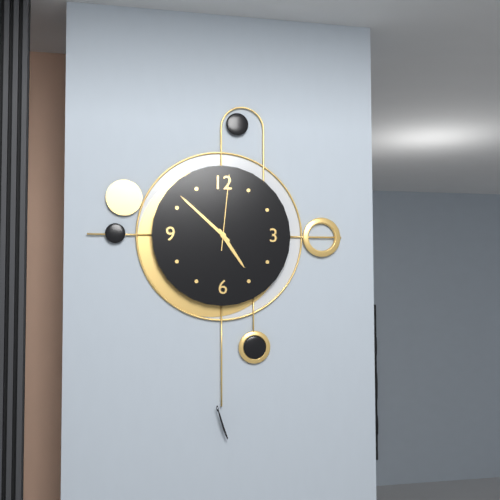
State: 4:52:01
